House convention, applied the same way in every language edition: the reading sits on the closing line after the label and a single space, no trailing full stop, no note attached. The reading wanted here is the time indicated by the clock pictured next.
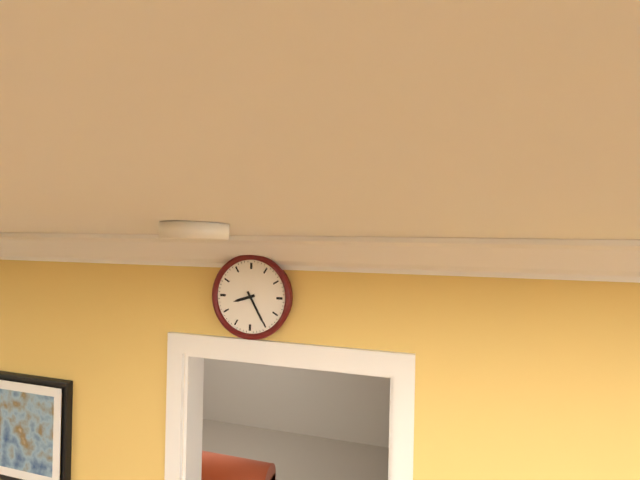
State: 8:25
